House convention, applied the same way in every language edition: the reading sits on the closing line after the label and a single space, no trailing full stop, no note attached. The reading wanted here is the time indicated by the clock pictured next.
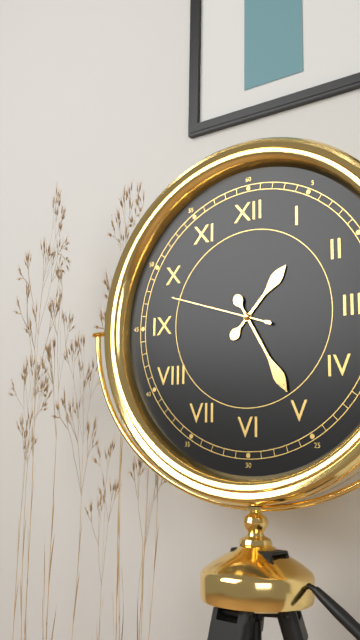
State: 1:25:48
